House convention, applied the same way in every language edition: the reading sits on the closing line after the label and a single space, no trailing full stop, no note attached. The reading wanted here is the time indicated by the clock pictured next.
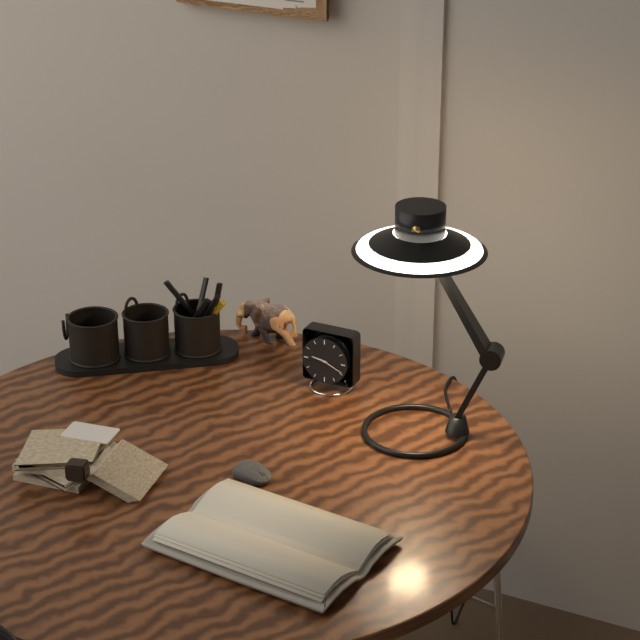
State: 9:19
